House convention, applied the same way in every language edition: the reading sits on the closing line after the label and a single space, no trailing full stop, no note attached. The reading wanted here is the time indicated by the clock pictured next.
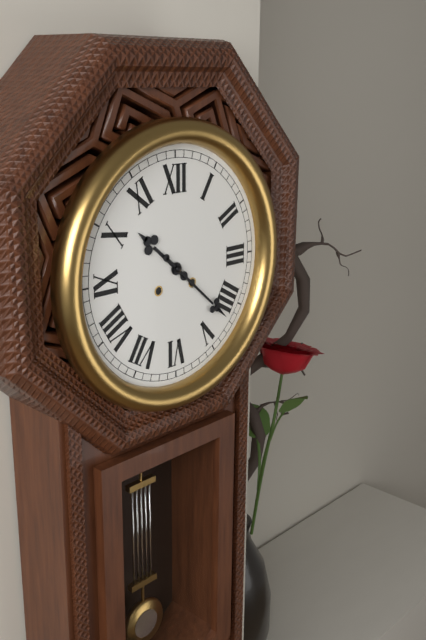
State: 10:22
